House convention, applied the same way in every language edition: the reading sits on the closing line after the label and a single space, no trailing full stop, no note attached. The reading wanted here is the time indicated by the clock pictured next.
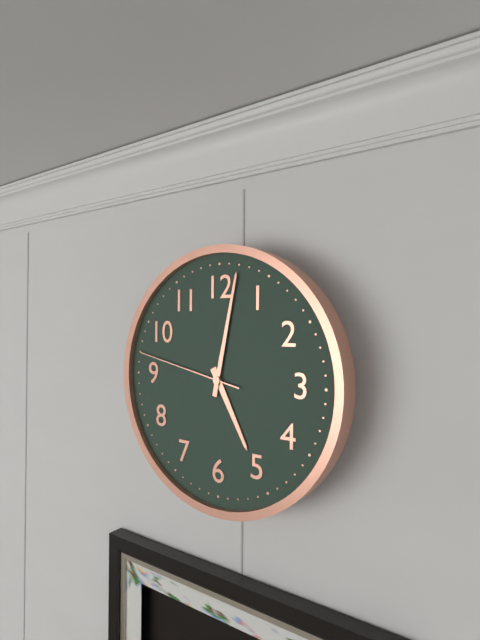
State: 5:02:47
